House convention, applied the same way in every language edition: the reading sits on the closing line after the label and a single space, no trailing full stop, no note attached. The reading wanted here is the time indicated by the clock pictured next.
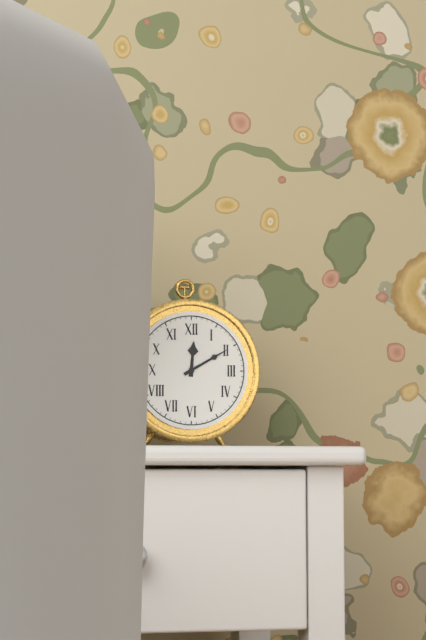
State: 12:10
